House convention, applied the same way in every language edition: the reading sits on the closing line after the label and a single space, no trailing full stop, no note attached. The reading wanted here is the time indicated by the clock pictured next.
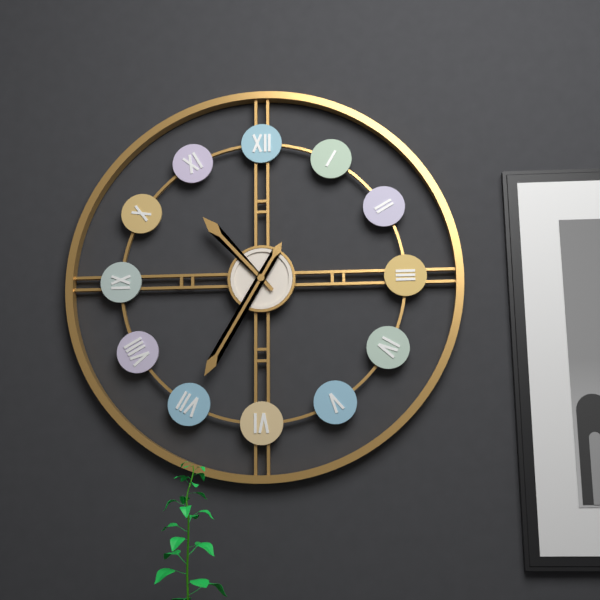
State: 10:35
